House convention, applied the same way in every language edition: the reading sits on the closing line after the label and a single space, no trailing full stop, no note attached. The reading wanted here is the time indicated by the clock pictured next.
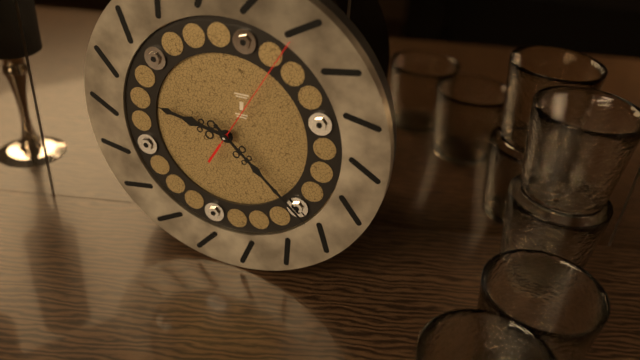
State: 9:22:05
